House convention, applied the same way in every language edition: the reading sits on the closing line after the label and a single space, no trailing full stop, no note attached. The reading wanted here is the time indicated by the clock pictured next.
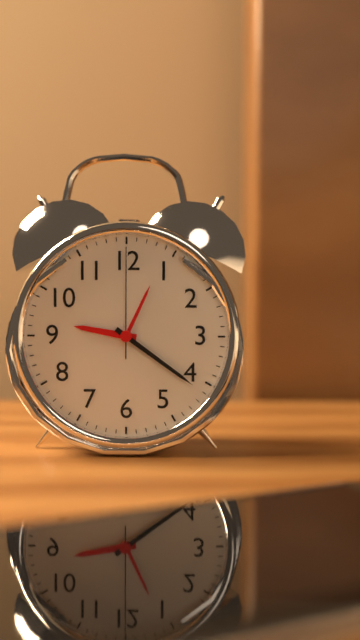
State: 9:21:00
